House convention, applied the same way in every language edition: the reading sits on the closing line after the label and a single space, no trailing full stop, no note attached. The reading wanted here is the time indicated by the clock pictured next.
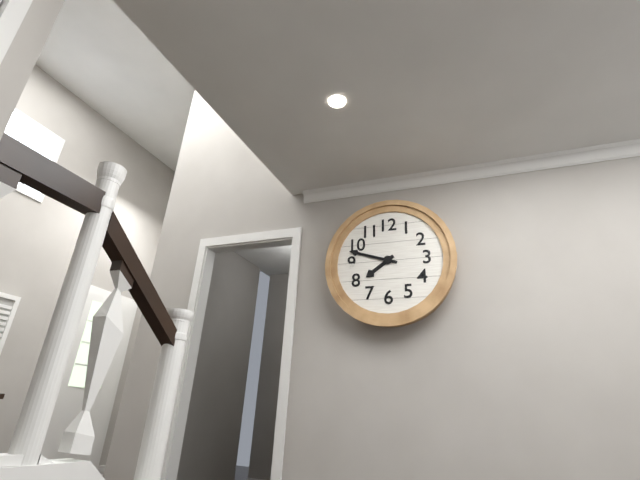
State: 7:48
